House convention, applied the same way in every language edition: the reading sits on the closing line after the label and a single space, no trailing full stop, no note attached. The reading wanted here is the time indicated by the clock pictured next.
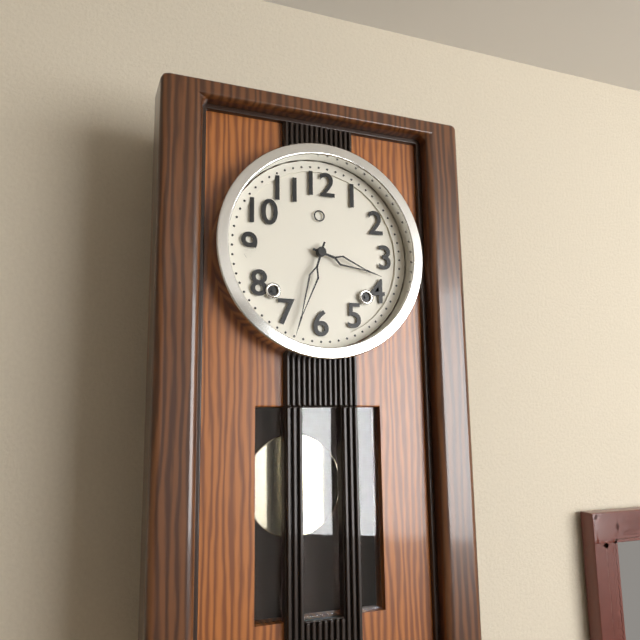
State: 3:33
